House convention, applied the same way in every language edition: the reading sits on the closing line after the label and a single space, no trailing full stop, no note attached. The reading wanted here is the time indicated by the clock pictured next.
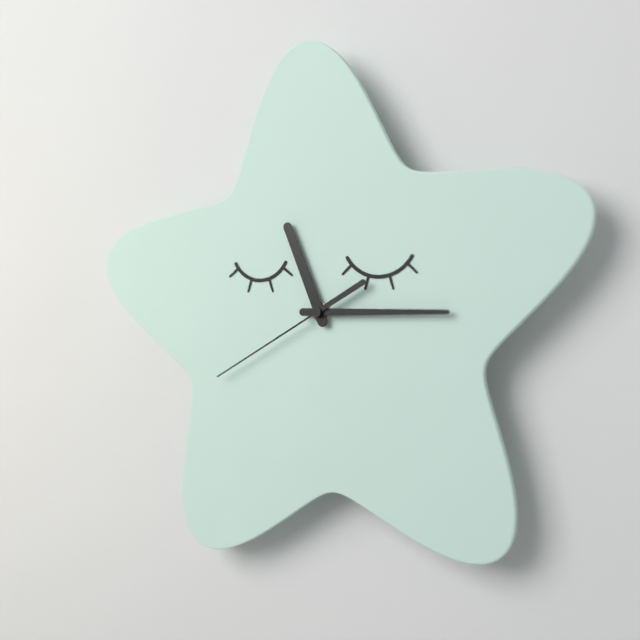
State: 11:15:40
